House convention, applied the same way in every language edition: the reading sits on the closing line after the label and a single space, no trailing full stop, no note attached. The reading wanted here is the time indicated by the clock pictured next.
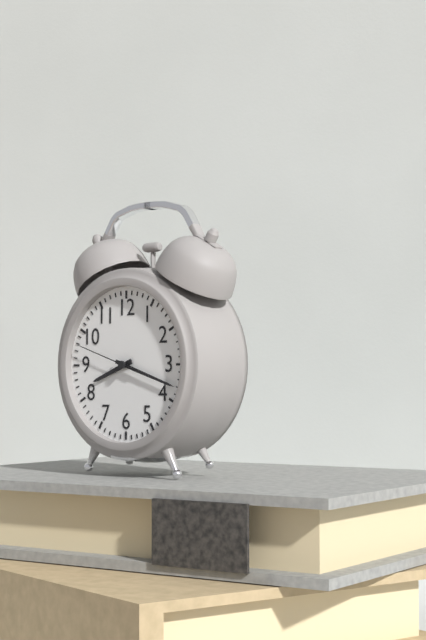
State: 8:18:48
